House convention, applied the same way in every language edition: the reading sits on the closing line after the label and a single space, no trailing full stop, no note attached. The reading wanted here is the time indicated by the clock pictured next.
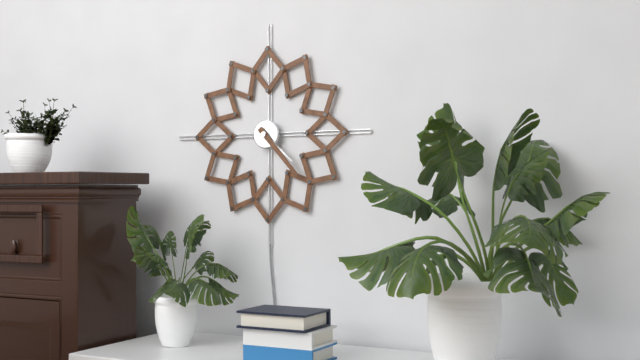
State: 4:23
